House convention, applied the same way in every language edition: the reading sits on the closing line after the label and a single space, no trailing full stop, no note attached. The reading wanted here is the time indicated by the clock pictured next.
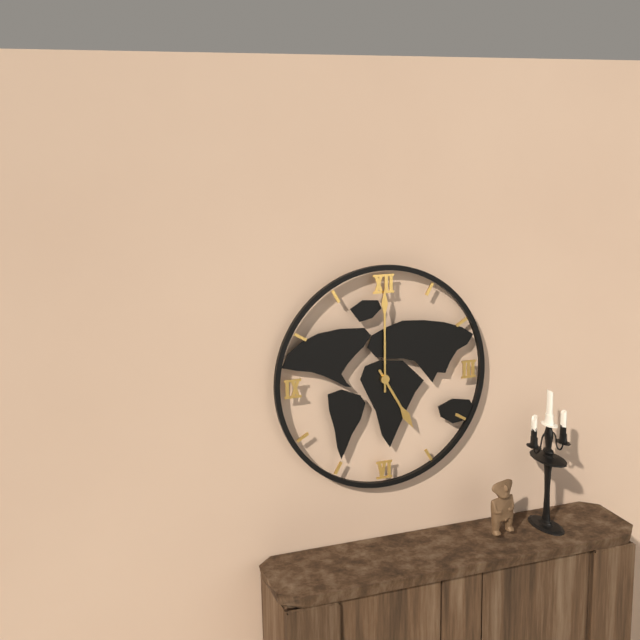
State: 5:00
